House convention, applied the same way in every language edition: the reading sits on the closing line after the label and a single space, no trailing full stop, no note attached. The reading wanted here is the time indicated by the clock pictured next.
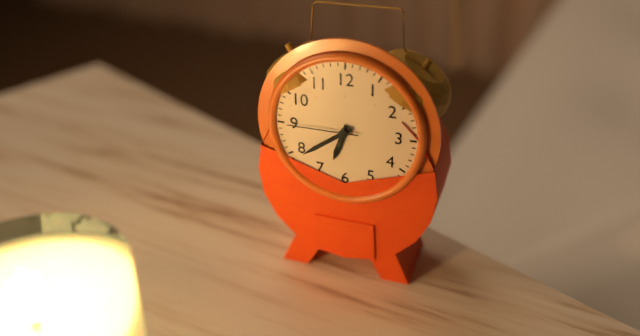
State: 6:39:45
